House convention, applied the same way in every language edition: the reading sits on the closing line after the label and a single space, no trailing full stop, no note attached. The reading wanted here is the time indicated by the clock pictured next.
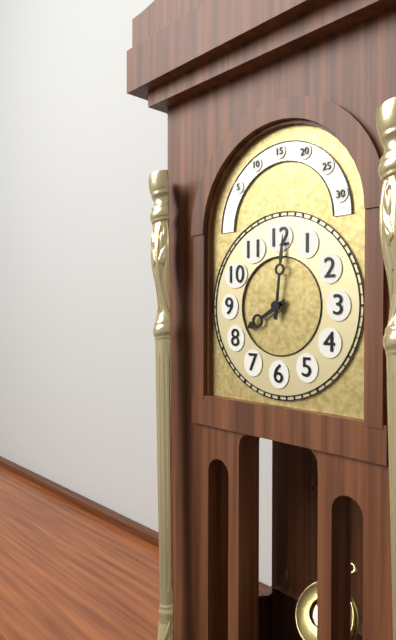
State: 8:01
